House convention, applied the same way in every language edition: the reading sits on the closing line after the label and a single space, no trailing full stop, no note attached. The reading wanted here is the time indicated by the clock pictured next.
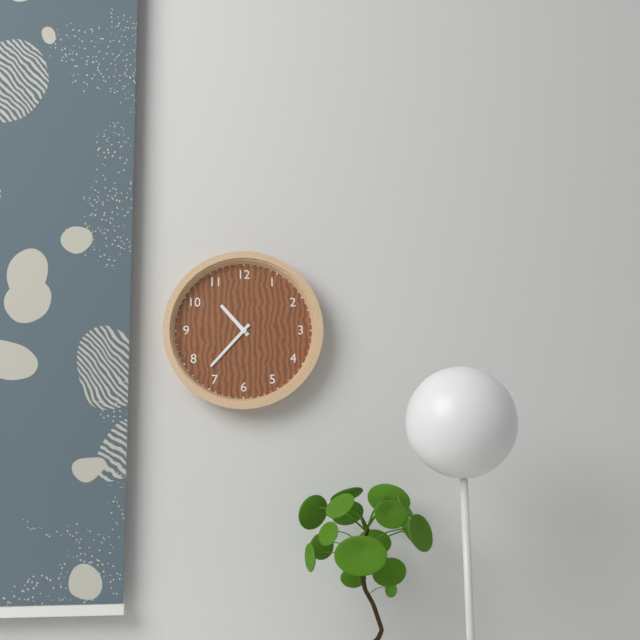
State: 10:37
